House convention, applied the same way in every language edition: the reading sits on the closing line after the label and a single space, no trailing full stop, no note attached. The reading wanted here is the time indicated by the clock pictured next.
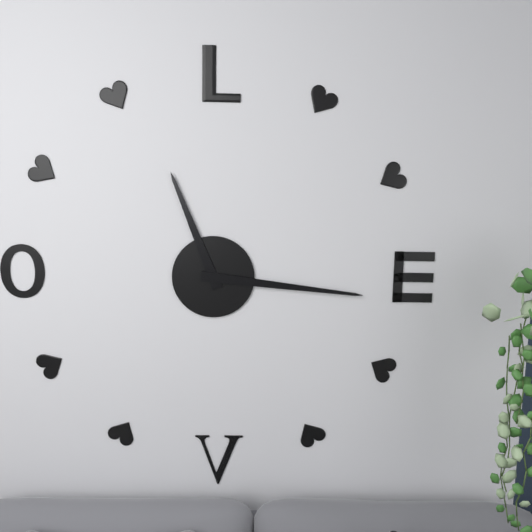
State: 11:16
